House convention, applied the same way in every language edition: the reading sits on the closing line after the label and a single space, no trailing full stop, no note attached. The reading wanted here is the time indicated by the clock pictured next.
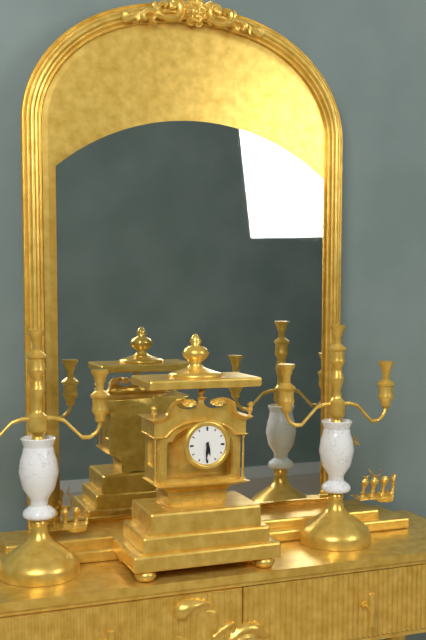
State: 5:31
